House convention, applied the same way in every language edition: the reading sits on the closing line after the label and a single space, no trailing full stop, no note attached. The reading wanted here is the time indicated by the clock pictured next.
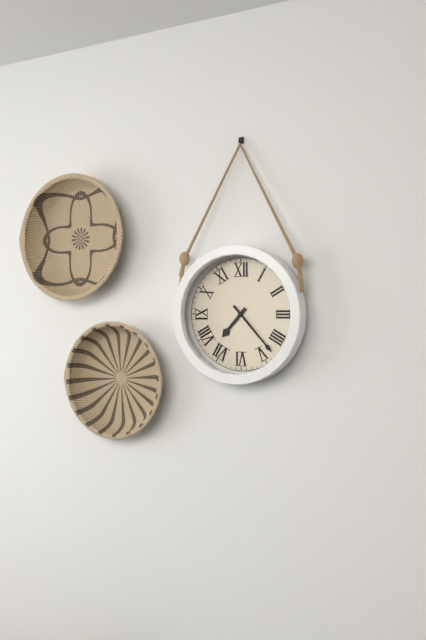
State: 7:23
